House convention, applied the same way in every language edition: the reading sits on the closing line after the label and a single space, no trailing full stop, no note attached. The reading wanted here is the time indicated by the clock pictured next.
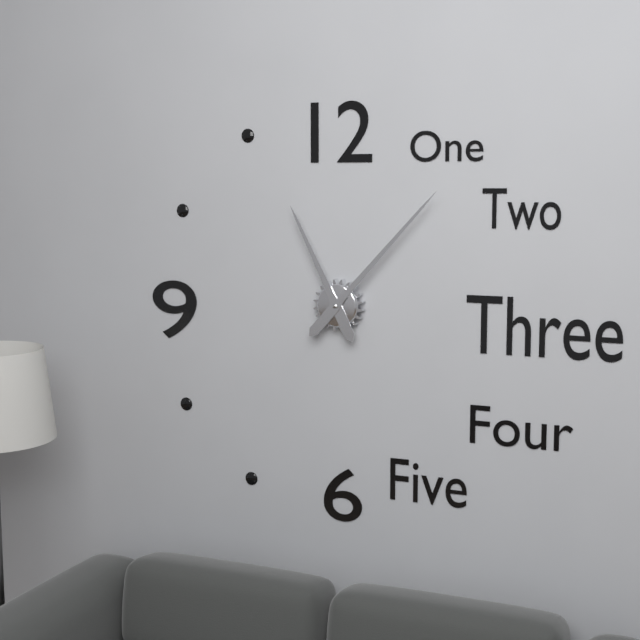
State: 11:07
